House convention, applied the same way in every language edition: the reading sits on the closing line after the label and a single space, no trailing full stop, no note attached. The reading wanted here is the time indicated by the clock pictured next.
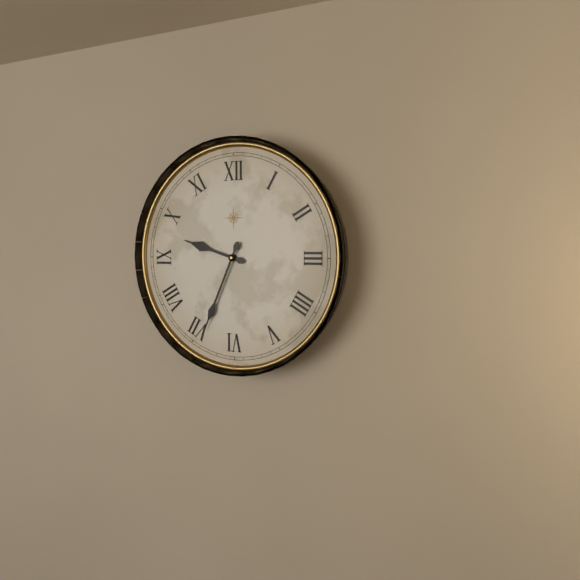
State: 9:34
